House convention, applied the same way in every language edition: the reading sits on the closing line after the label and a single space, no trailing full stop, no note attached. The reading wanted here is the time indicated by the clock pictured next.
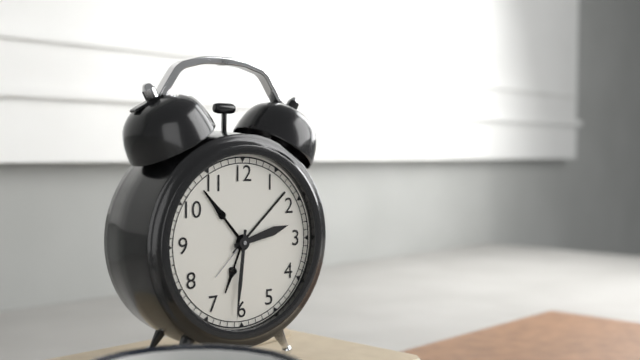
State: 2:31
